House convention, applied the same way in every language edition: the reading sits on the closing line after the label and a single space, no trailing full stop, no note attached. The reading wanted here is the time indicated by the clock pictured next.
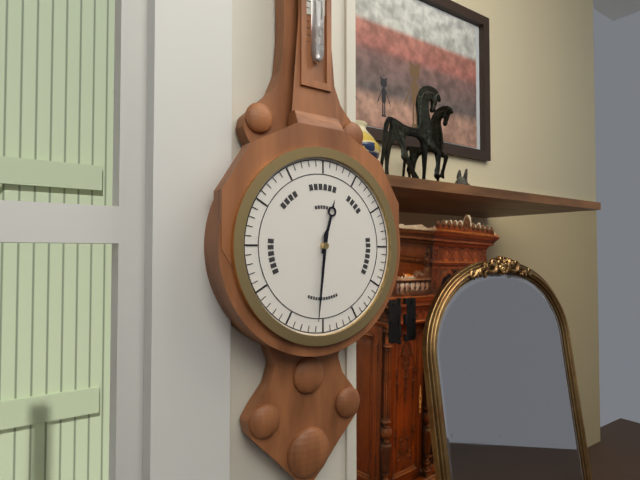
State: 12:31
